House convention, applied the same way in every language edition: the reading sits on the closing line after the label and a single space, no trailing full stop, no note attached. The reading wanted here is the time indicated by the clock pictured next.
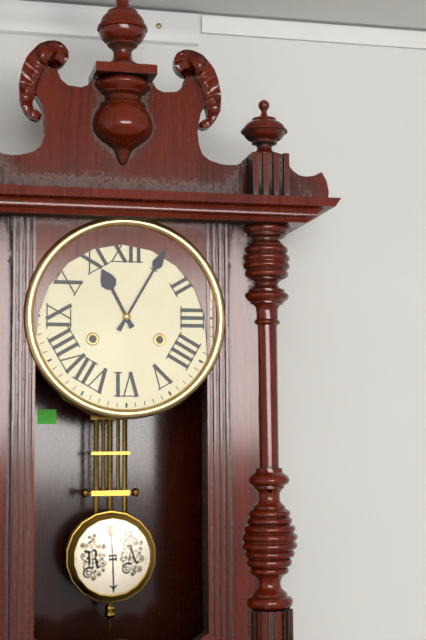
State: 11:05
